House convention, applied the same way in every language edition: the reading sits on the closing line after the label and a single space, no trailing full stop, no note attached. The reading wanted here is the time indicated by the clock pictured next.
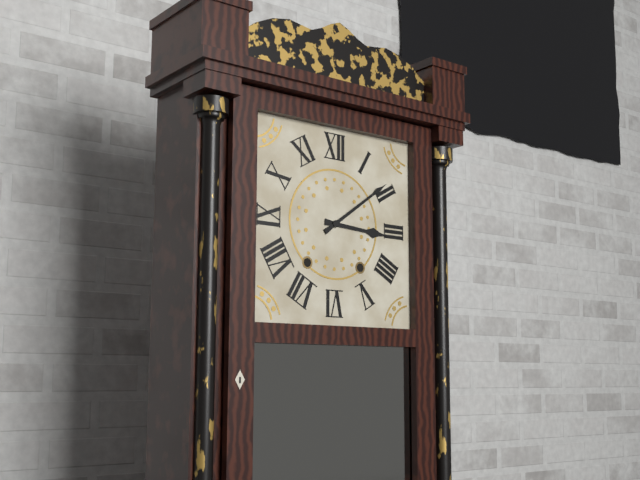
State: 3:09
